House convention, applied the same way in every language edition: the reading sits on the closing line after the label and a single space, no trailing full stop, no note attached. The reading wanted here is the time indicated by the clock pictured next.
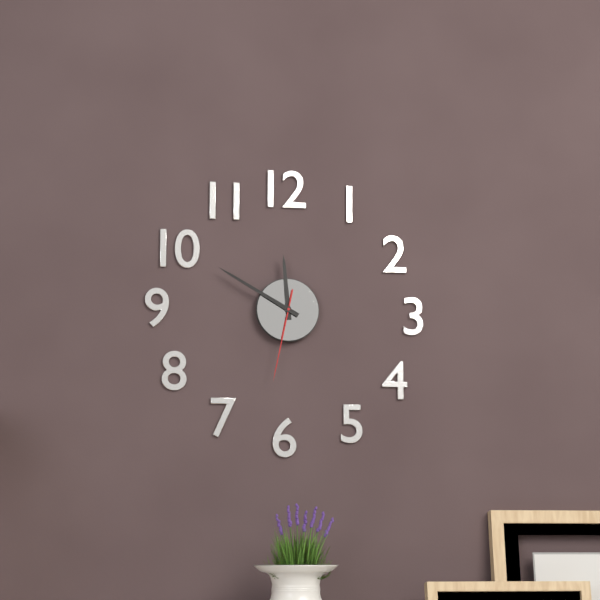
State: 11:50:32
